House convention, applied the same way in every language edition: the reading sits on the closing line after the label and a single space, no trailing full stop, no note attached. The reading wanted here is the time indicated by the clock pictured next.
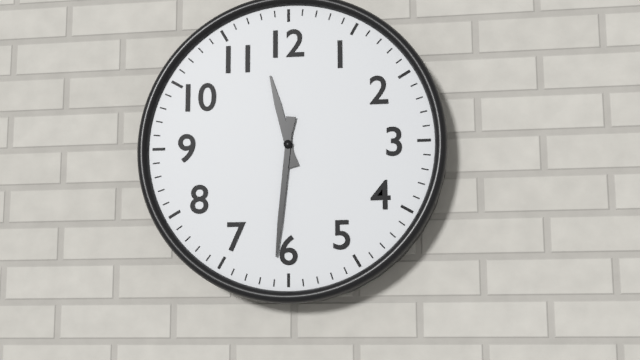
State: 11:31
